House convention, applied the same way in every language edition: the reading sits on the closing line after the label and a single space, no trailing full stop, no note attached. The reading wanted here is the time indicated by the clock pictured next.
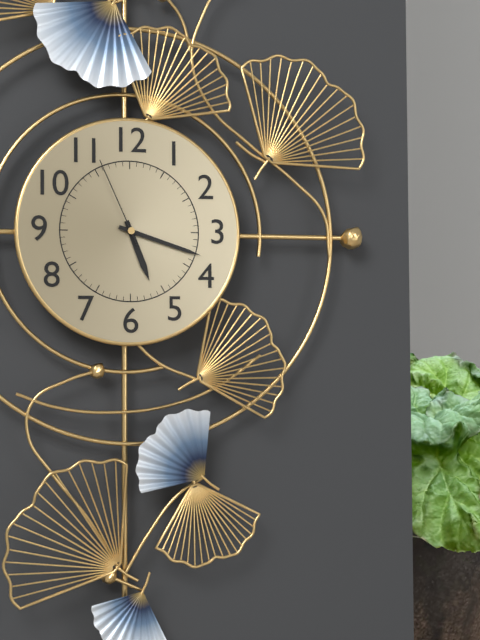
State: 5:18:56
